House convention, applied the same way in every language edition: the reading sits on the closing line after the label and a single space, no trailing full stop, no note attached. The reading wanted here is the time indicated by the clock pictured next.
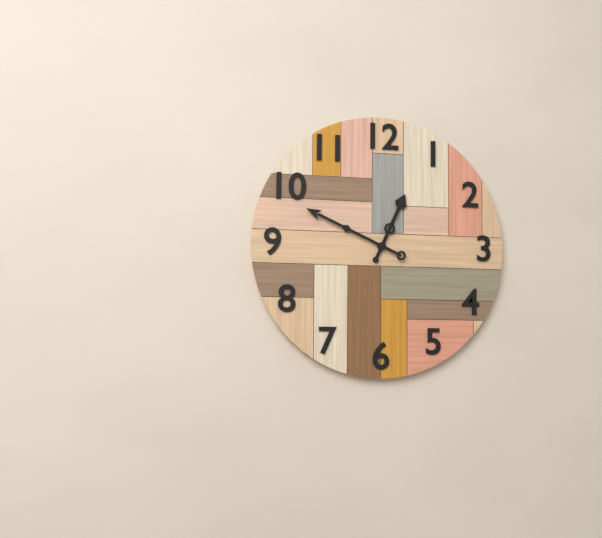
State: 12:49
